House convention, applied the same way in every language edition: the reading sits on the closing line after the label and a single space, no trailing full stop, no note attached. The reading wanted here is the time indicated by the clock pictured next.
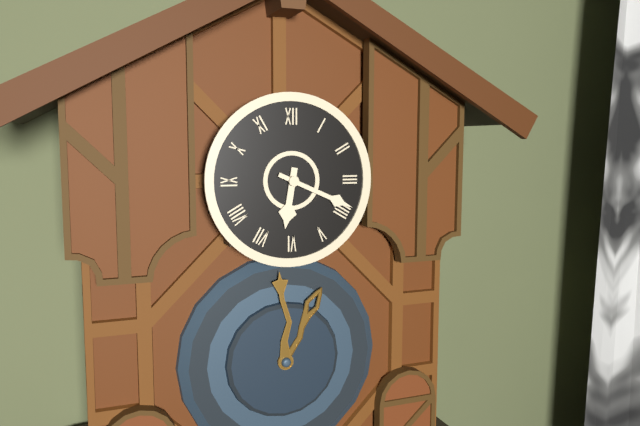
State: 6:19
